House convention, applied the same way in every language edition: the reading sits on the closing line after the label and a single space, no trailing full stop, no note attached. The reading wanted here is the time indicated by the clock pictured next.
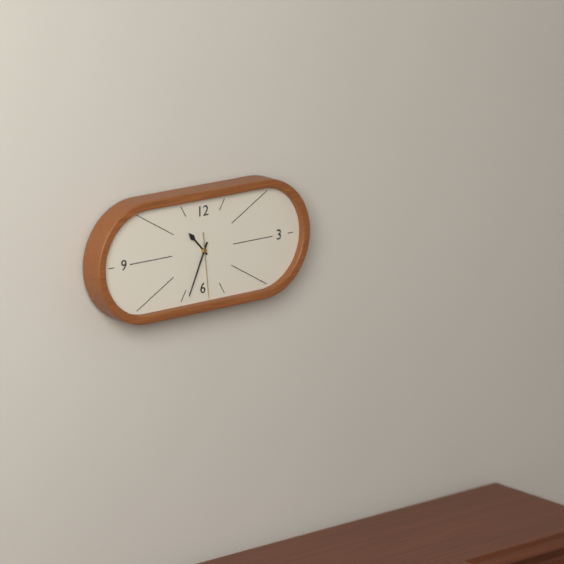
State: 10:34:29
